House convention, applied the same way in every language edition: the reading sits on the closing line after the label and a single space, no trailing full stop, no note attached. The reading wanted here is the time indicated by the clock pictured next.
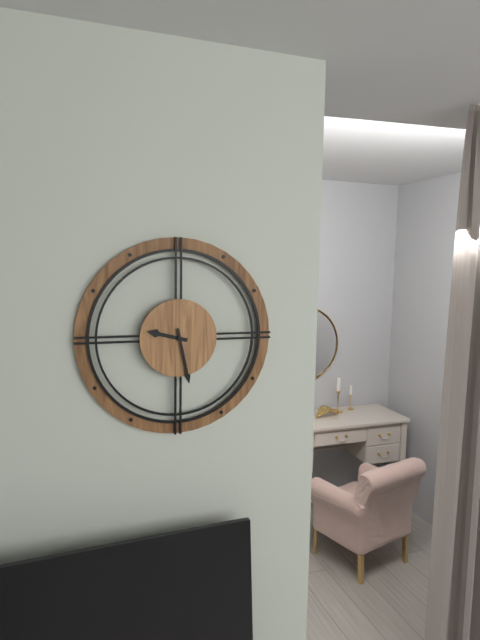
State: 9:28
